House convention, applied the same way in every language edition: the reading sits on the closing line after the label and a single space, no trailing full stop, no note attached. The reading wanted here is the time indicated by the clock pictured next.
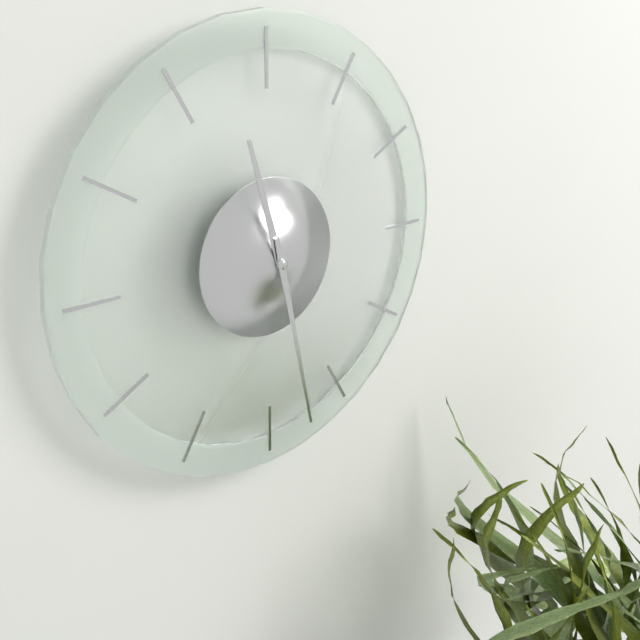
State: 11:28
